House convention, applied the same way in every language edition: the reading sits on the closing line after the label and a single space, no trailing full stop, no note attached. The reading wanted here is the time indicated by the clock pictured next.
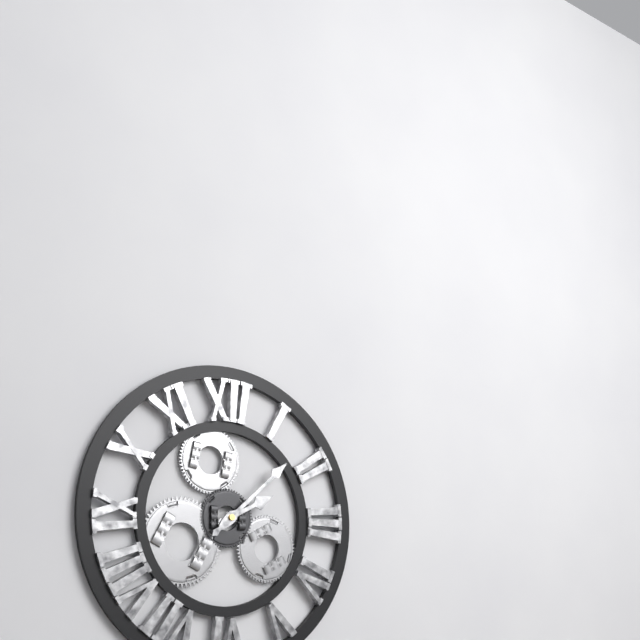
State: 2:08
